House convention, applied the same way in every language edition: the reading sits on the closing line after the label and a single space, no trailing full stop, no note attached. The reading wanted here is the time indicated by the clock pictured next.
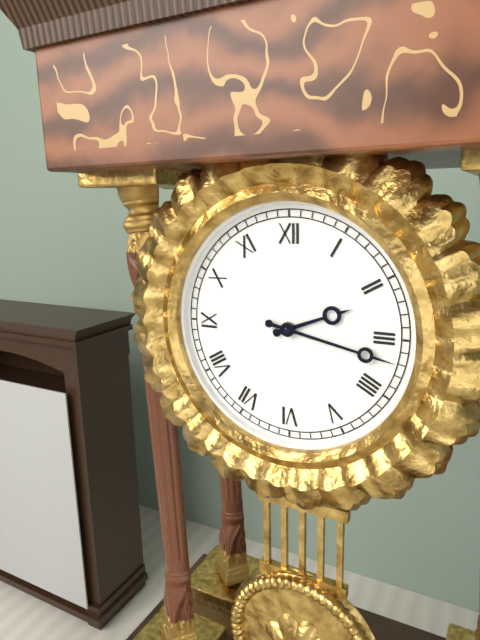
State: 2:17
